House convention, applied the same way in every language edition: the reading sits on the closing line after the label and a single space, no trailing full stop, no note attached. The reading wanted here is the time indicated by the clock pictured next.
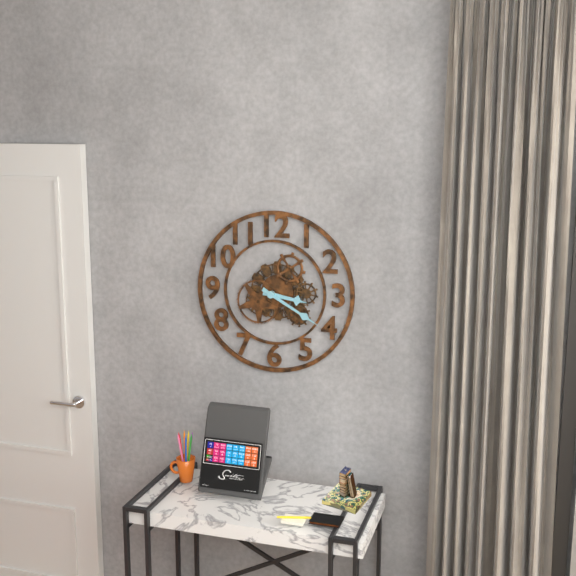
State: 3:20
